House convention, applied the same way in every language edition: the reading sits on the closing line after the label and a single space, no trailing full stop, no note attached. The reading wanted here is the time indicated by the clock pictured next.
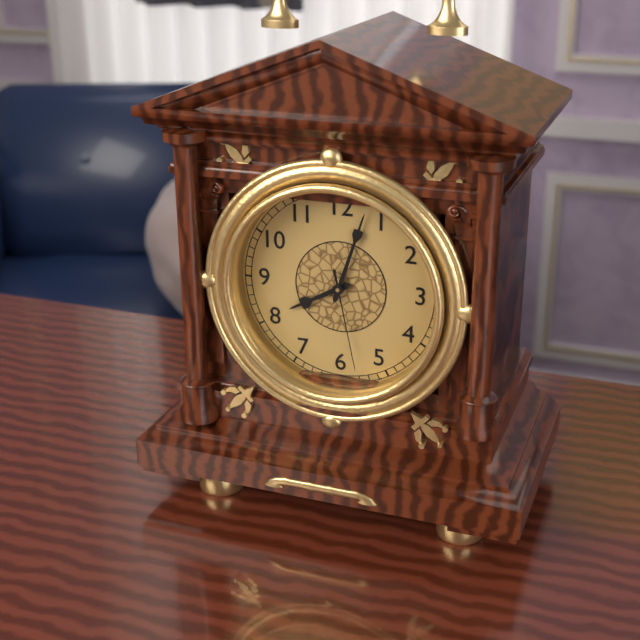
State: 8:03:28
